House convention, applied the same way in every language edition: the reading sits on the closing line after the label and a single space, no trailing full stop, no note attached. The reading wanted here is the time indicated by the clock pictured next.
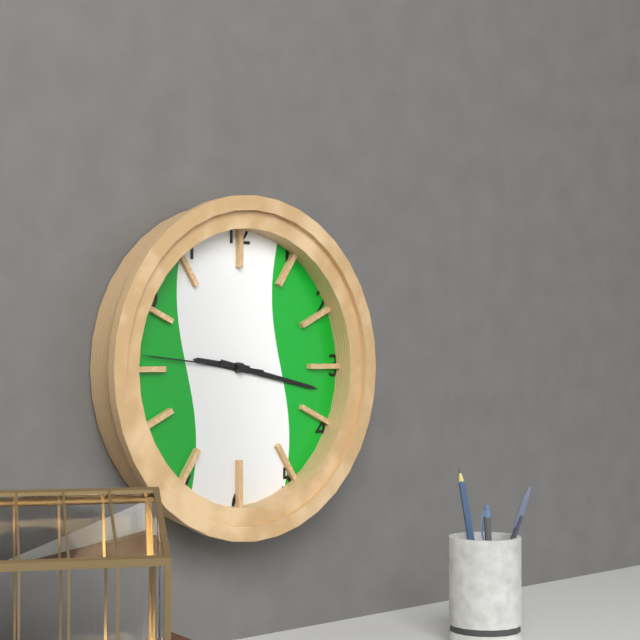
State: 9:17:46
